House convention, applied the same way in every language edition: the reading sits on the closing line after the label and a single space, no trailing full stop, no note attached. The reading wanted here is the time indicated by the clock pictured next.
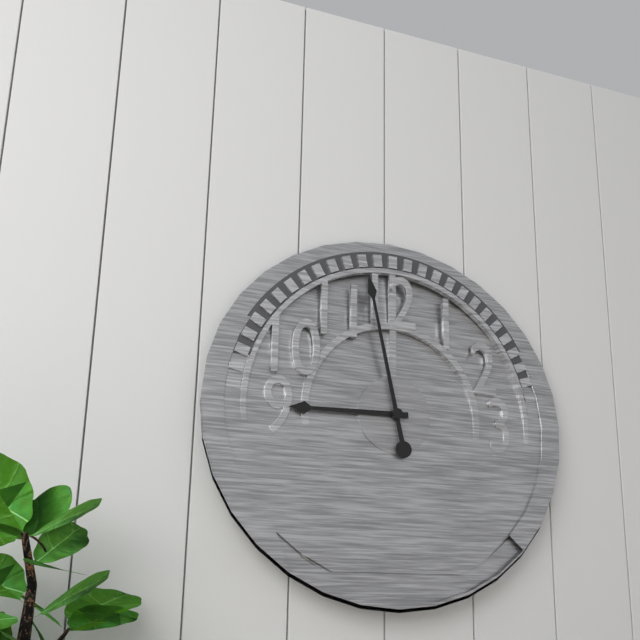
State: 8:58
